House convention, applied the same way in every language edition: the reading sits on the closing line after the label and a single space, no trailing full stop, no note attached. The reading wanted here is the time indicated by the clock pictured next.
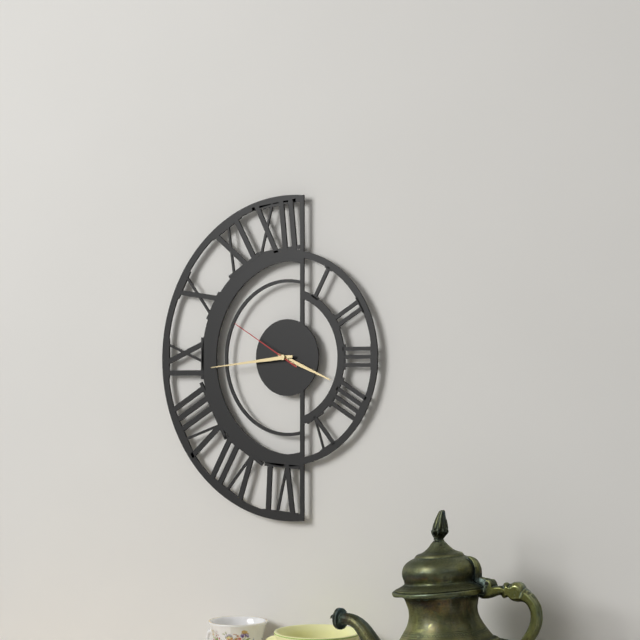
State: 3:44:50
